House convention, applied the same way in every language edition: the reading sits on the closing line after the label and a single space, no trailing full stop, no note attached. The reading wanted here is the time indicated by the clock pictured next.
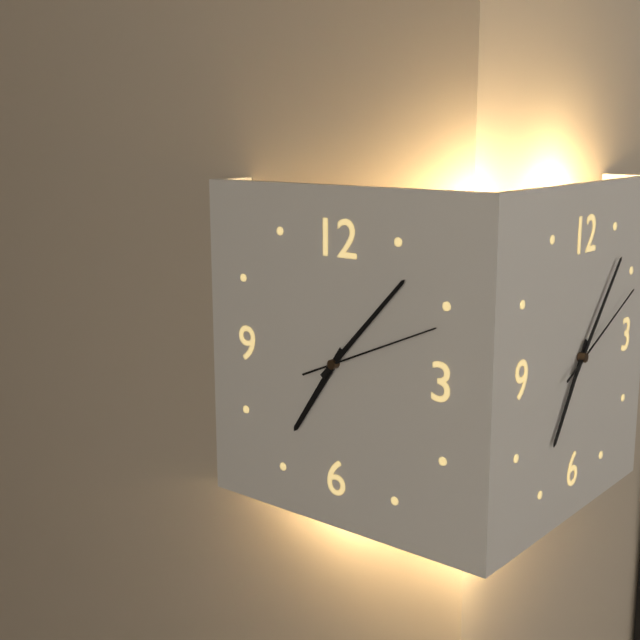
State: 7:07:11
